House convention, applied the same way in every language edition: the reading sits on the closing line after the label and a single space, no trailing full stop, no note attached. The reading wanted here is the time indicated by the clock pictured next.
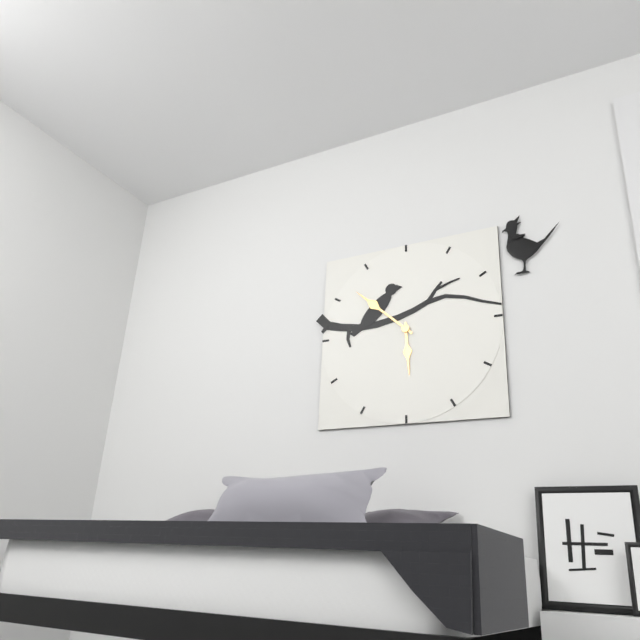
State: 5:52
